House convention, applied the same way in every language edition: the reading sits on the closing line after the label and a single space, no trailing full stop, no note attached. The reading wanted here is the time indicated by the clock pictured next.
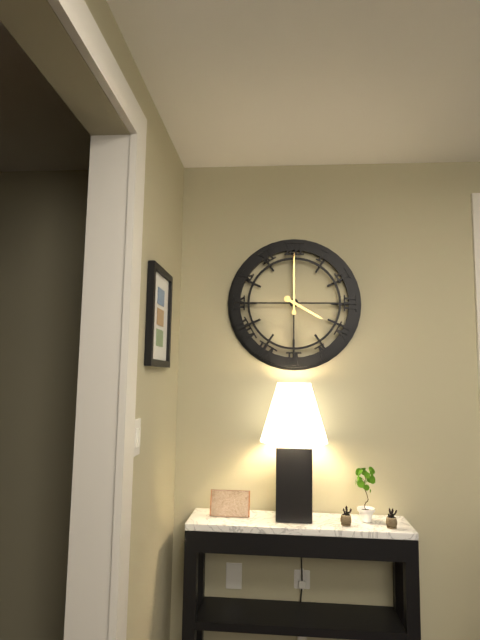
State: 4:00
